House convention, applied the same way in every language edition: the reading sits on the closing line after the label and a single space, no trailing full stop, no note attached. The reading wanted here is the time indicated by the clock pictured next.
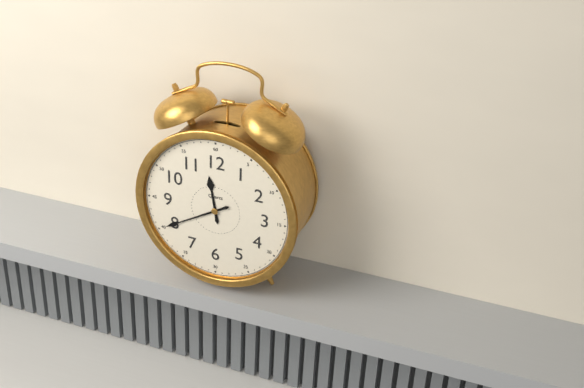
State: 11:40
